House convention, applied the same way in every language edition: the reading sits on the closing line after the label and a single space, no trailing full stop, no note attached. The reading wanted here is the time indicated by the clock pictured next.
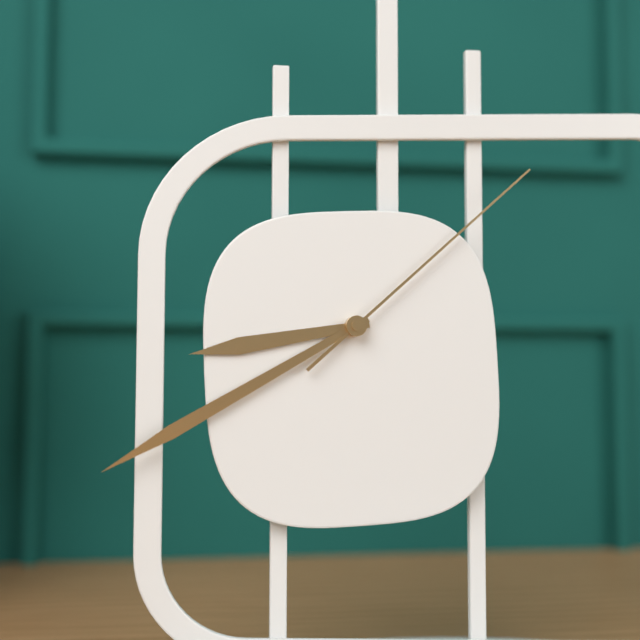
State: 8:40:08
